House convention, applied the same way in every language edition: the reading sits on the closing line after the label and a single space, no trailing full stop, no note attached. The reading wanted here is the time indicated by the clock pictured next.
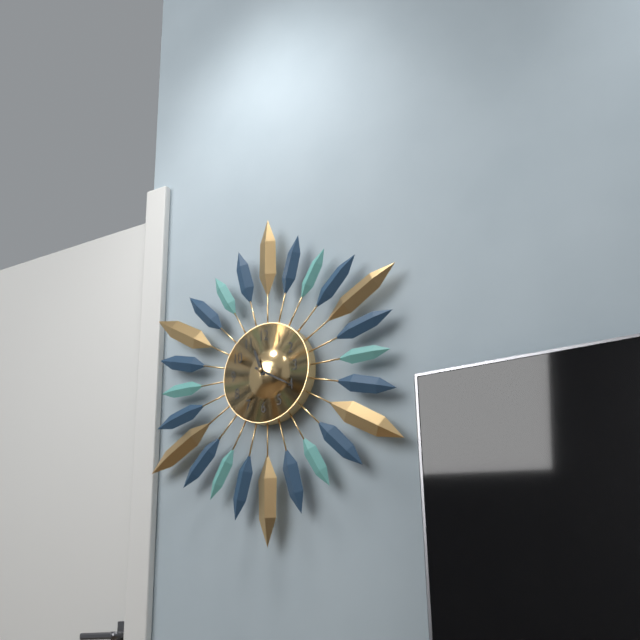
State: 11:20
